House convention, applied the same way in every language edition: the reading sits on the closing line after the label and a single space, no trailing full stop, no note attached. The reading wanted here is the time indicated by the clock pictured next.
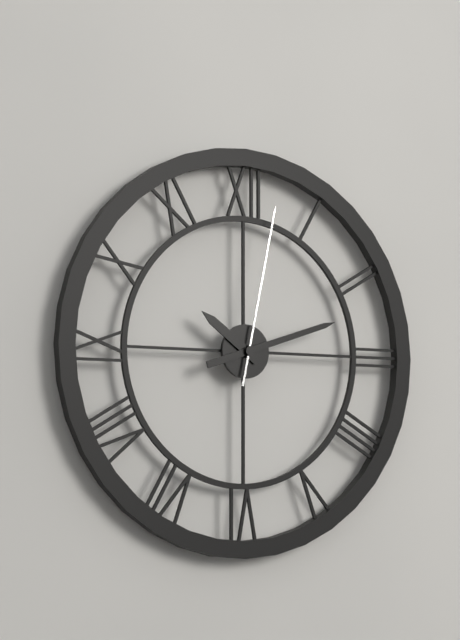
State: 10:12:02
